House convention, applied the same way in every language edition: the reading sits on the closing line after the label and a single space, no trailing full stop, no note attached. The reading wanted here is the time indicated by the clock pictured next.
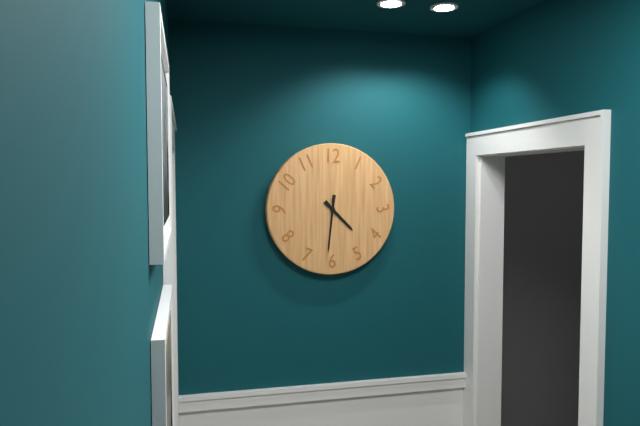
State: 4:31
